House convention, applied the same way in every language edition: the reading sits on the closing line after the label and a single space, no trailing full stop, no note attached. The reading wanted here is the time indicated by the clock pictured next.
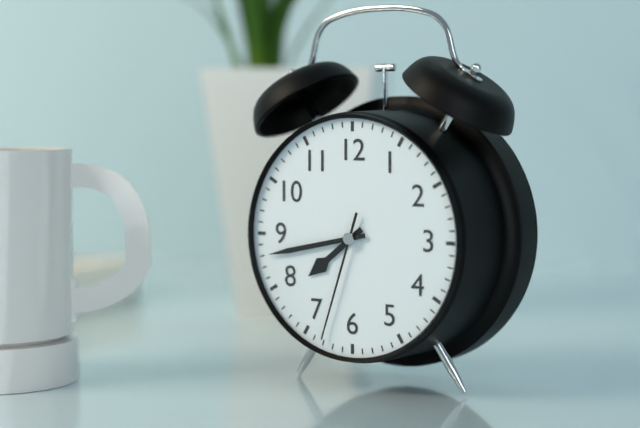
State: 7:43:33
